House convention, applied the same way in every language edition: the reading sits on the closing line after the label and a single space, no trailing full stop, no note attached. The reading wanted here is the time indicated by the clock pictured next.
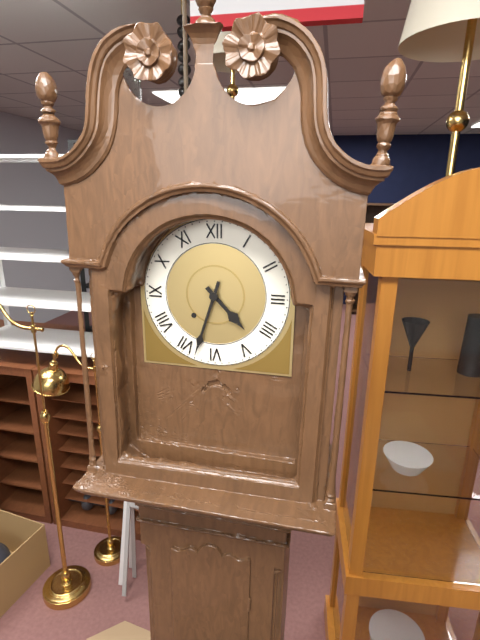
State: 4:33
